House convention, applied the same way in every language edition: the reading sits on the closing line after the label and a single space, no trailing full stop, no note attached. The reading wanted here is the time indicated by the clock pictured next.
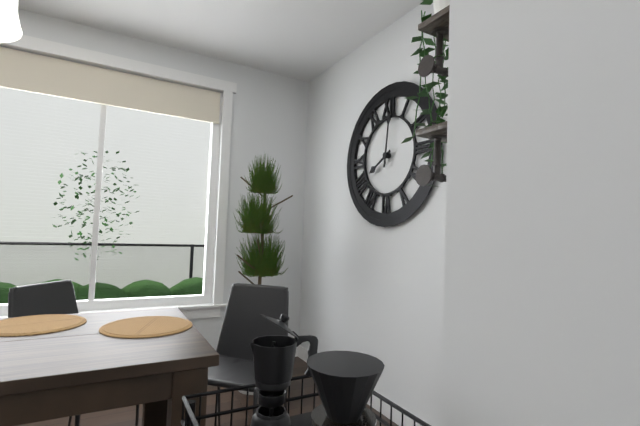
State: 8:01
